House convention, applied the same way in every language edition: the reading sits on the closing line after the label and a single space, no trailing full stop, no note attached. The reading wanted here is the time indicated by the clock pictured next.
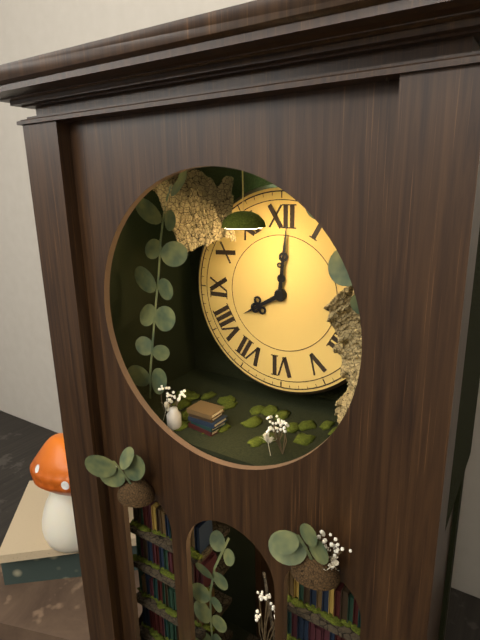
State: 8:01
